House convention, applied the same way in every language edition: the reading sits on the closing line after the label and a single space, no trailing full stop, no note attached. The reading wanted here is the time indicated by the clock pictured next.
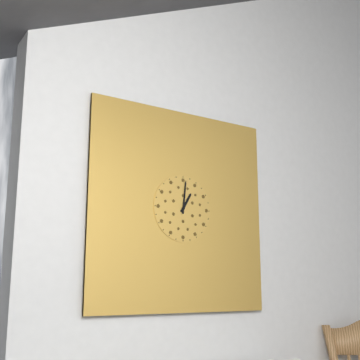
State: 1:01
